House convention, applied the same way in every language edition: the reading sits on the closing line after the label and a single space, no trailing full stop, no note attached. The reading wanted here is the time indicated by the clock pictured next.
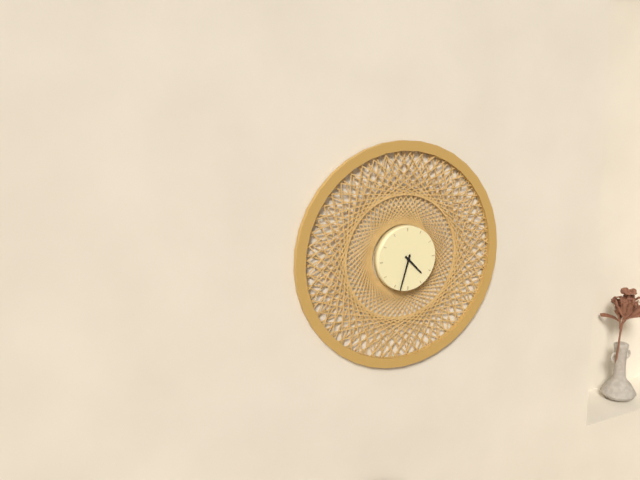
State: 4:33
